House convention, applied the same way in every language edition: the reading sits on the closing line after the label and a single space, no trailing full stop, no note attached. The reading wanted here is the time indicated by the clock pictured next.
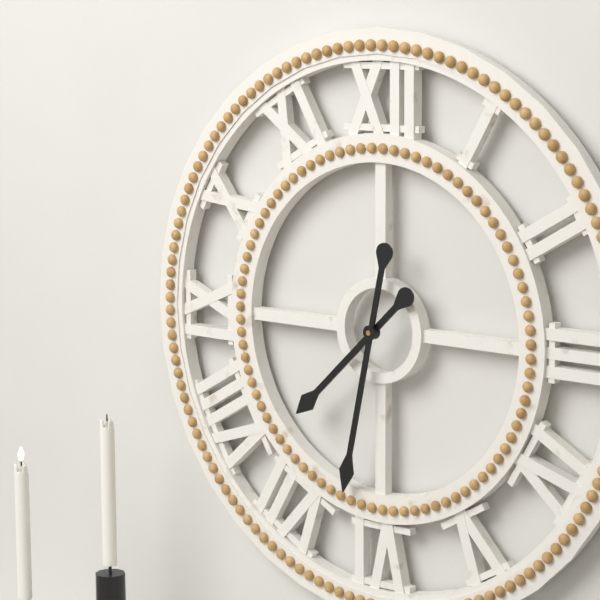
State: 7:32
